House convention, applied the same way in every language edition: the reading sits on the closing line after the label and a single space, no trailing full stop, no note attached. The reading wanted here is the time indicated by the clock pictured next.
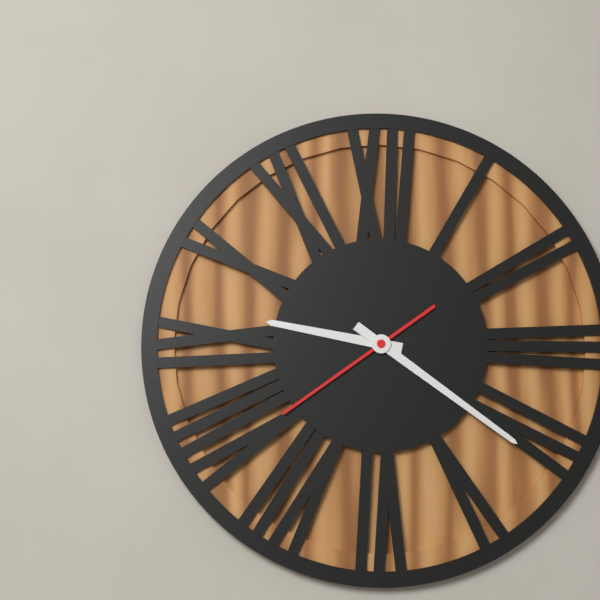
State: 9:21:39
